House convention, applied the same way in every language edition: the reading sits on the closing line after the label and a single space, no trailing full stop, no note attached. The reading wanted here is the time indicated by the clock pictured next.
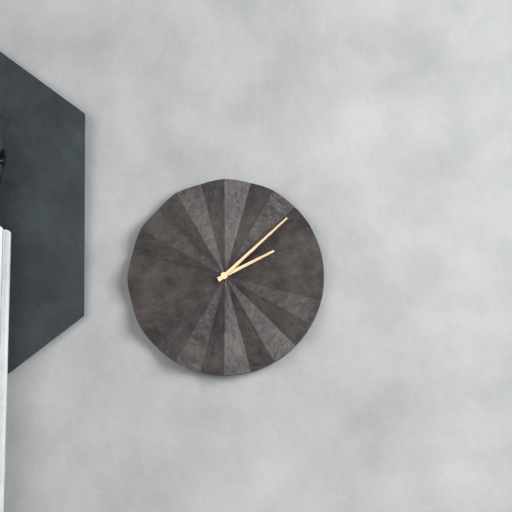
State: 2:08
